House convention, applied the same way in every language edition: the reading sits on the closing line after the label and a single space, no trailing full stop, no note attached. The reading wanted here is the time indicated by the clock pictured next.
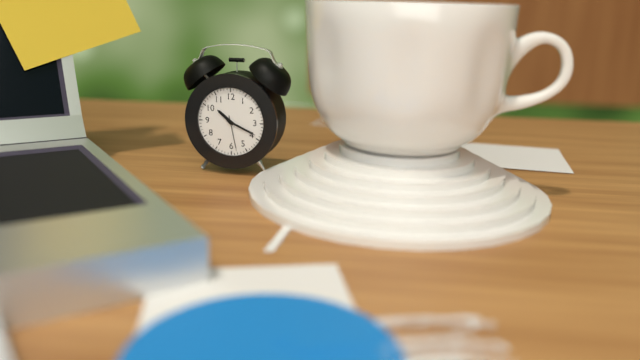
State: 10:19
